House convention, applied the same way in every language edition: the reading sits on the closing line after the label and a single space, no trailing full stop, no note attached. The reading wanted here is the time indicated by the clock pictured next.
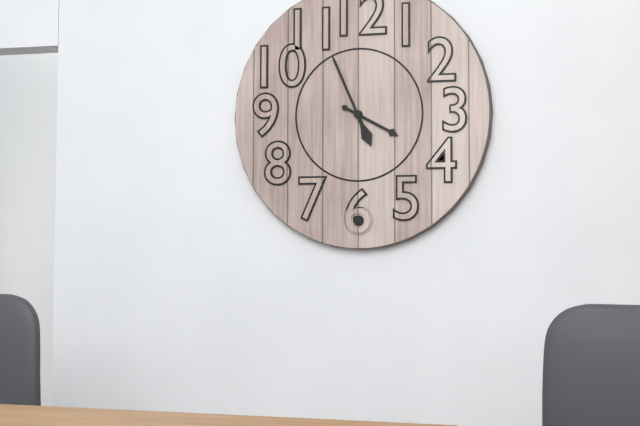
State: 3:56
